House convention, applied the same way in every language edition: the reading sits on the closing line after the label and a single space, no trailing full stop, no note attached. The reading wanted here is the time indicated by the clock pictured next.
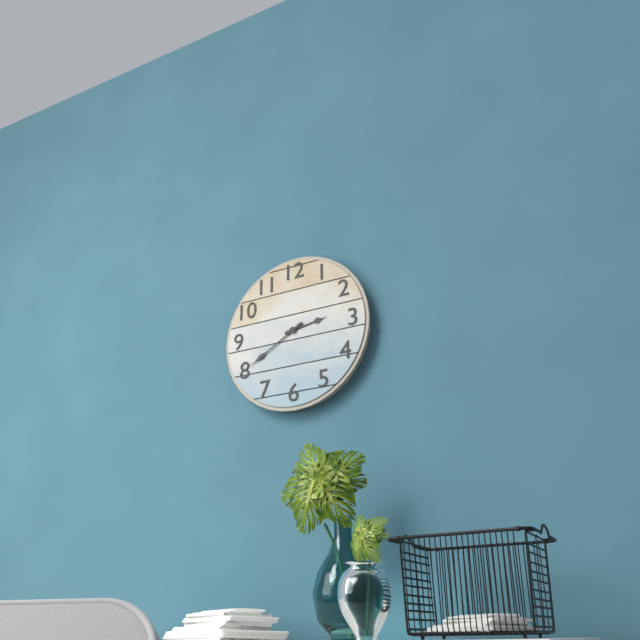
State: 2:40
